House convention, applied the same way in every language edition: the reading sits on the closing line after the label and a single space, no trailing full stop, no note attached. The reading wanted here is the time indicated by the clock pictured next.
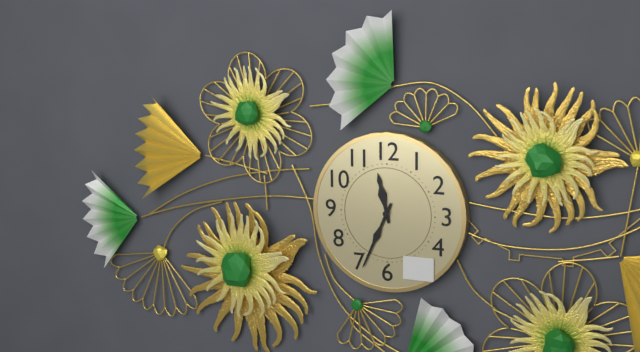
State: 11:34
